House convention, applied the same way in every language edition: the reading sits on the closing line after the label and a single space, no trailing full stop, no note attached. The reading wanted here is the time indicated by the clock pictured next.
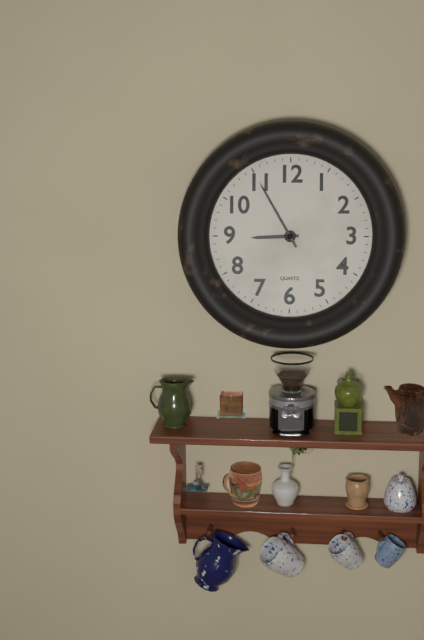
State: 8:55
